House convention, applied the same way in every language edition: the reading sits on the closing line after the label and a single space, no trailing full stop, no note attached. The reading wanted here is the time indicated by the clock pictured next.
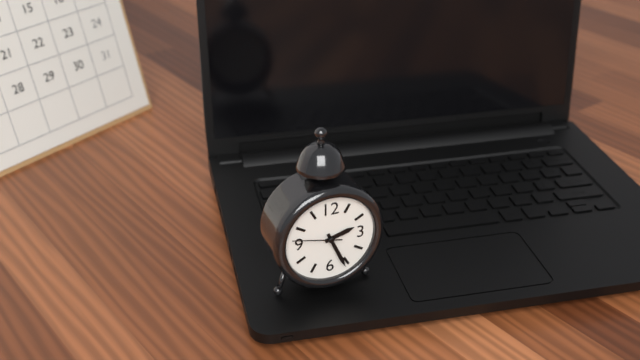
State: 2:26
